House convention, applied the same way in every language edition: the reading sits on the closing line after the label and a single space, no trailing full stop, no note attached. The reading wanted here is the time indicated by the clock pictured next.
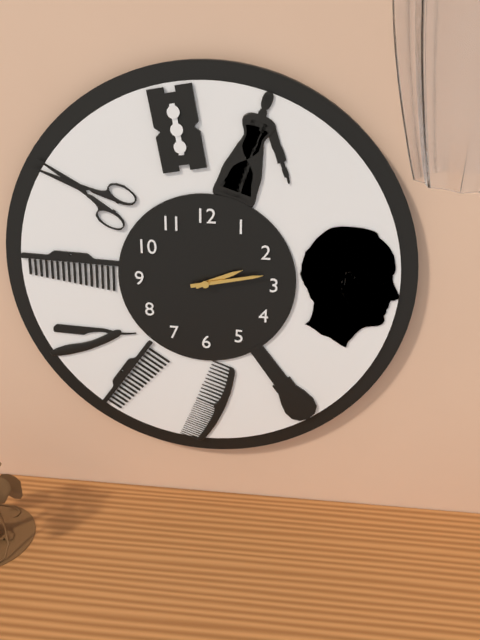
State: 2:13
